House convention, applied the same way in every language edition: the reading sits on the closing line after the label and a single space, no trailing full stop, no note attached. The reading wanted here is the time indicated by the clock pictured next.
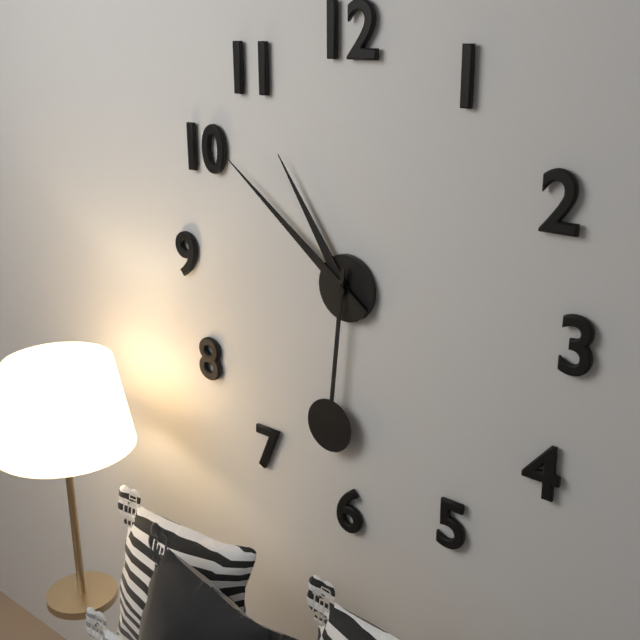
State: 10:51:31
